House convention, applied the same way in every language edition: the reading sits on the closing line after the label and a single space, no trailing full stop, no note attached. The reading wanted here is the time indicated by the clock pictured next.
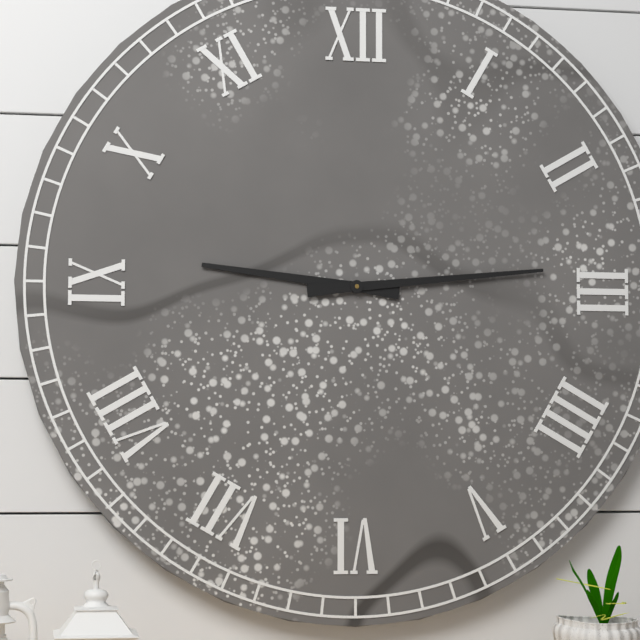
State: 9:14
